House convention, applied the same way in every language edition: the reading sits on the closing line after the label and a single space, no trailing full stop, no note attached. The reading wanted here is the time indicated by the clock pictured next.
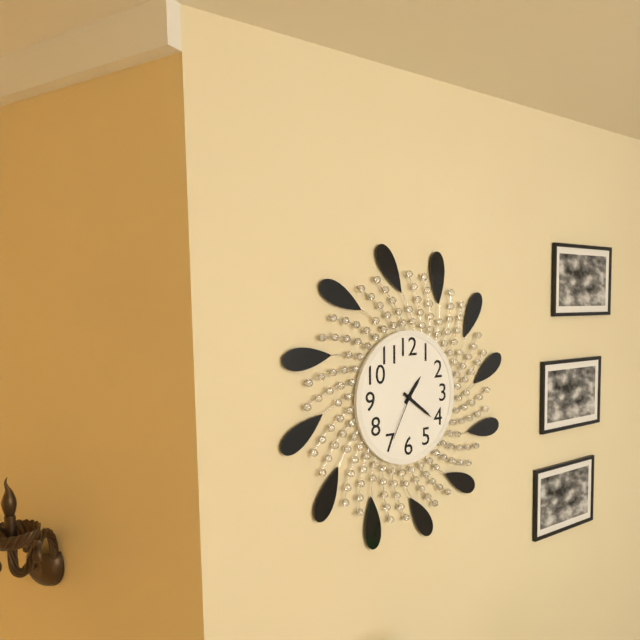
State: 1:21:35
